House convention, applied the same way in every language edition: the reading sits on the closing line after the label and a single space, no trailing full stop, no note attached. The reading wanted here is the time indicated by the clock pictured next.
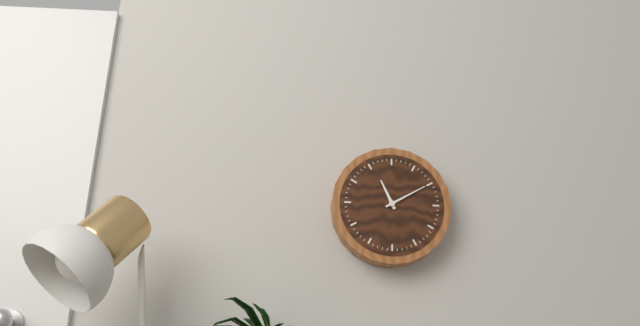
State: 11:10
